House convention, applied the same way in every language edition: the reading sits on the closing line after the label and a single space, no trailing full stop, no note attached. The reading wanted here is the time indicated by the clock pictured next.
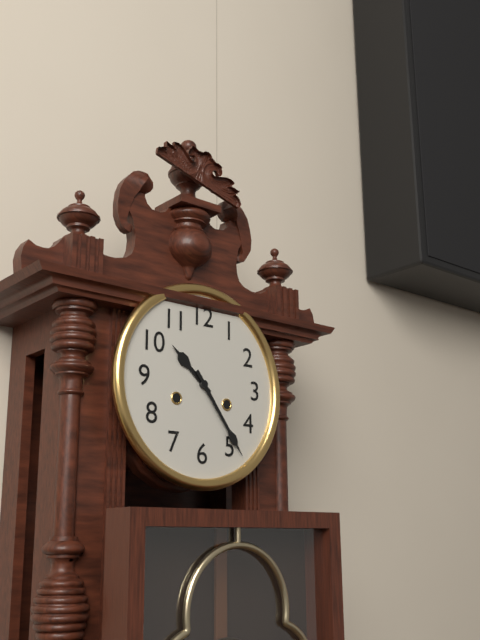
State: 10:24
